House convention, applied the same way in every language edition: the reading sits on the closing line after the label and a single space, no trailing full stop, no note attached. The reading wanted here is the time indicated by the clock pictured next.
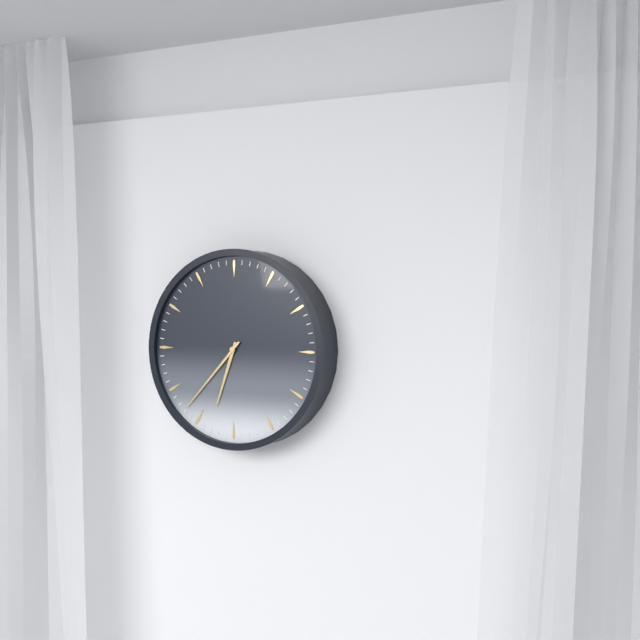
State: 6:37
